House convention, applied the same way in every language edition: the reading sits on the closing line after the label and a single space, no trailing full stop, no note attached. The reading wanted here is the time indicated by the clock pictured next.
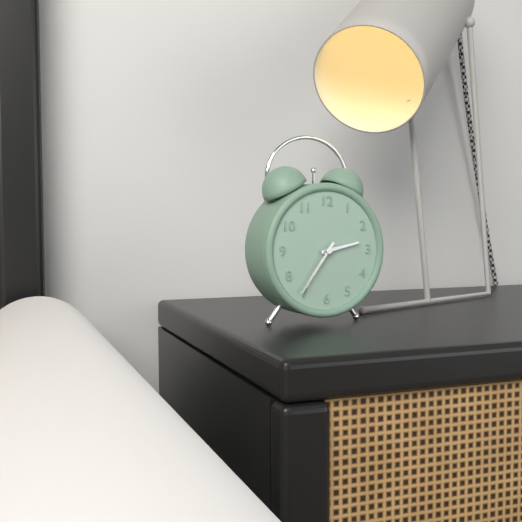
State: 2:36
